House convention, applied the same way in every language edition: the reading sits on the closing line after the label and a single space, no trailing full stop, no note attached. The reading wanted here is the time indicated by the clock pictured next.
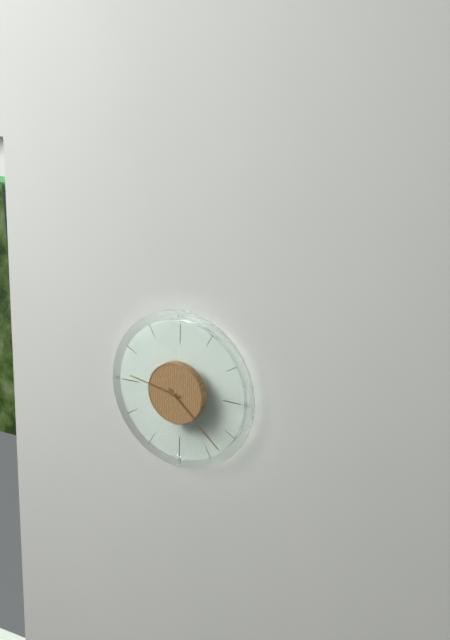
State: 9:22
